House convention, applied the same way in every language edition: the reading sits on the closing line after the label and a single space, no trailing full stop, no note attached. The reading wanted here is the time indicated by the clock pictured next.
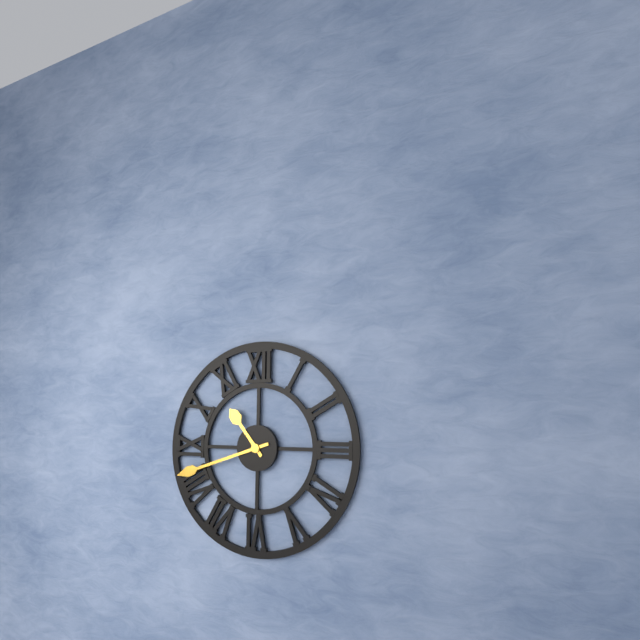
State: 10:42
